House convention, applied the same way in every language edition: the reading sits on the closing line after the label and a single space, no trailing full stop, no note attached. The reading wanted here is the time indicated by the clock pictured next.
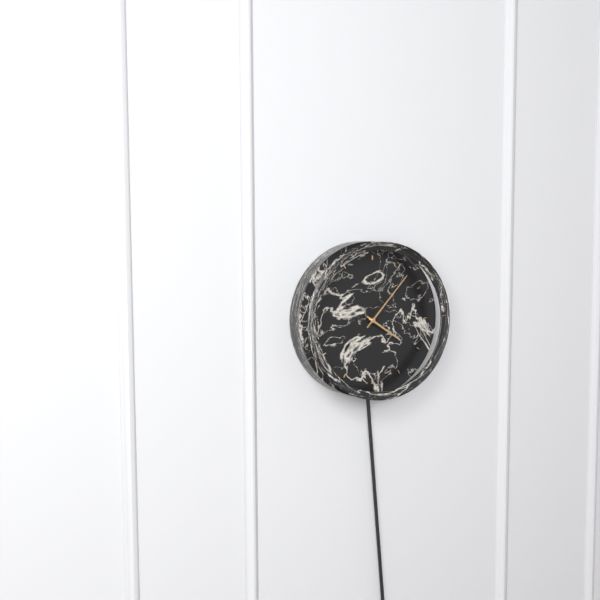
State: 4:07
